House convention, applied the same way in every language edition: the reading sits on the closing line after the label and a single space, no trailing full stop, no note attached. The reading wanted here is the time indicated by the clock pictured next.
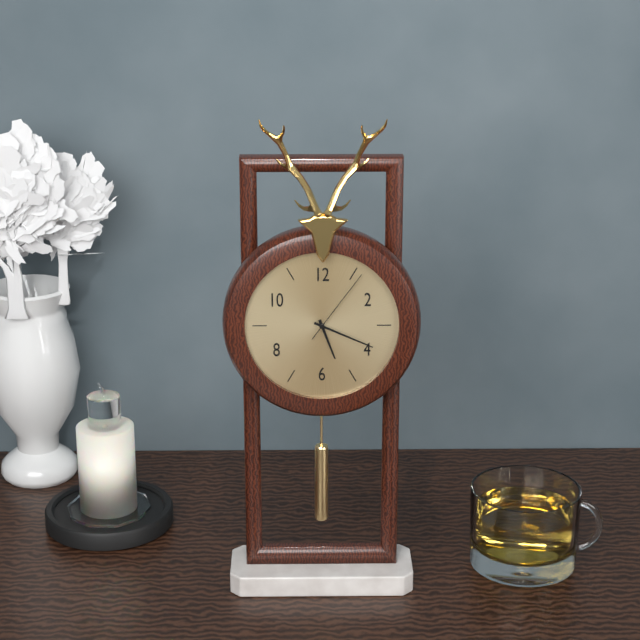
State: 5:19:06
